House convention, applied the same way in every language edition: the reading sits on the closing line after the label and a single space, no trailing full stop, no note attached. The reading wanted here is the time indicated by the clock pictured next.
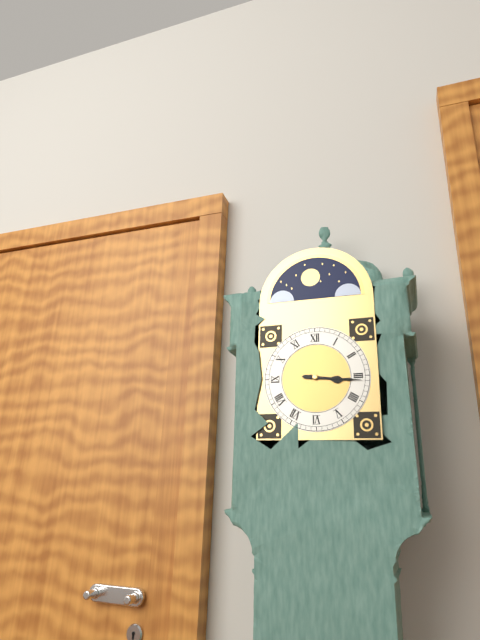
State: 3:16
